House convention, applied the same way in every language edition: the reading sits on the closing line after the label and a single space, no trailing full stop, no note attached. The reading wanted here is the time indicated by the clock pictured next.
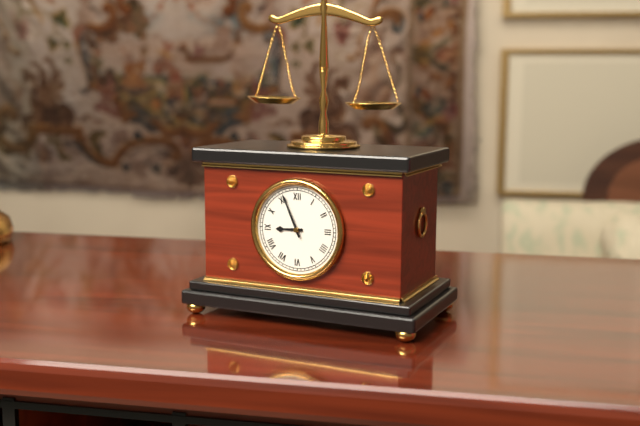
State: 8:56
